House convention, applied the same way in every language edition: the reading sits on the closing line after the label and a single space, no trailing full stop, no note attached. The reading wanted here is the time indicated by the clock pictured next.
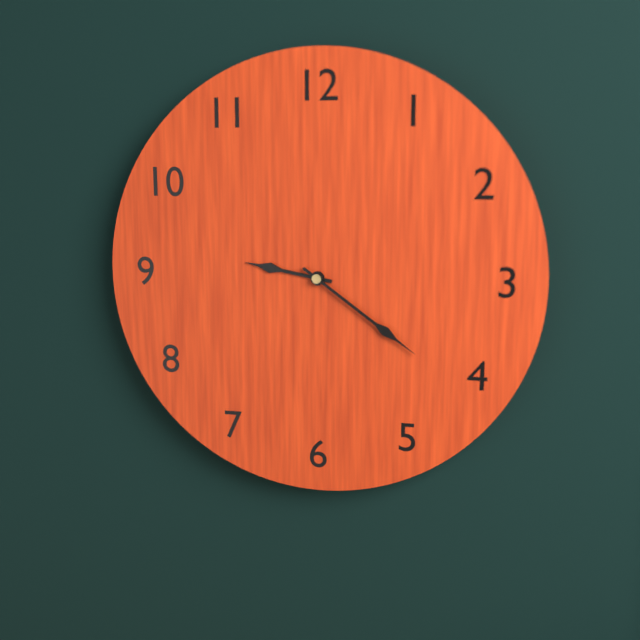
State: 9:21
